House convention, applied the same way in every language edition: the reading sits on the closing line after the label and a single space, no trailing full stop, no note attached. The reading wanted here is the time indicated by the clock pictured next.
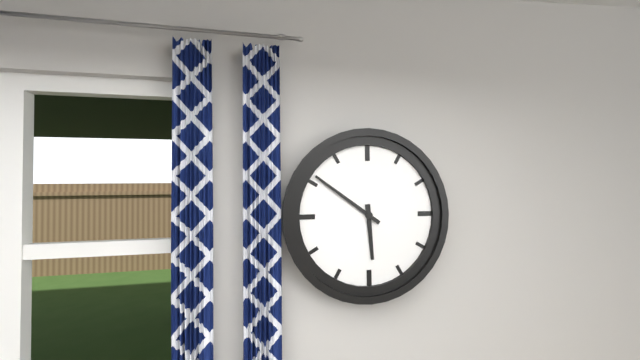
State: 5:51
